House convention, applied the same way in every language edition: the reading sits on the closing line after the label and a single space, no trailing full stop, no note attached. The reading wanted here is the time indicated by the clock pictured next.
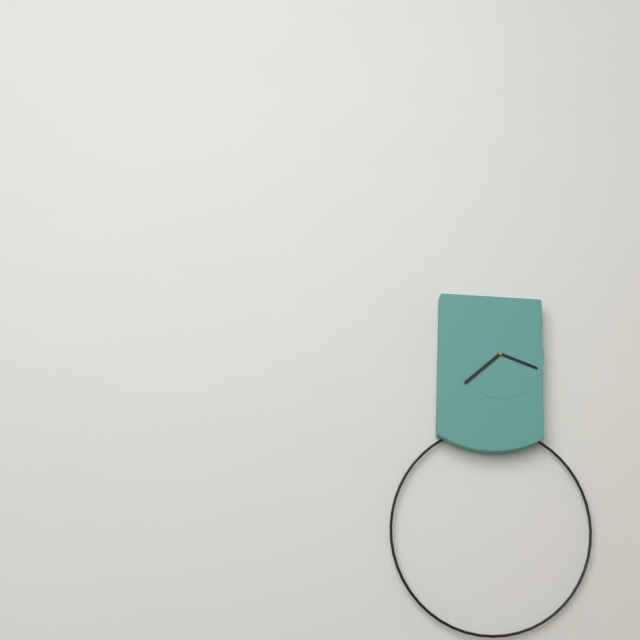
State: 3:38
